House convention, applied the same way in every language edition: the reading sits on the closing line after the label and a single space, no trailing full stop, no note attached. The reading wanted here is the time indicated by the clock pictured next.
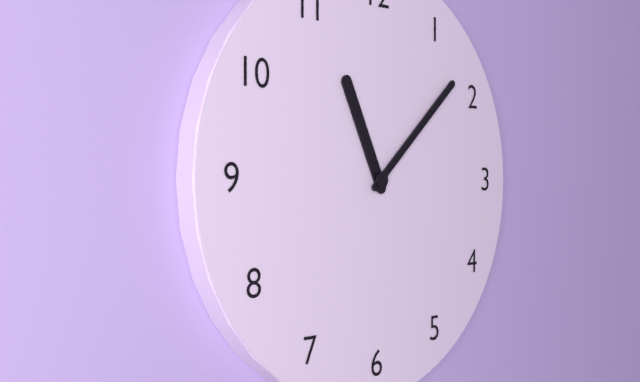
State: 11:08
